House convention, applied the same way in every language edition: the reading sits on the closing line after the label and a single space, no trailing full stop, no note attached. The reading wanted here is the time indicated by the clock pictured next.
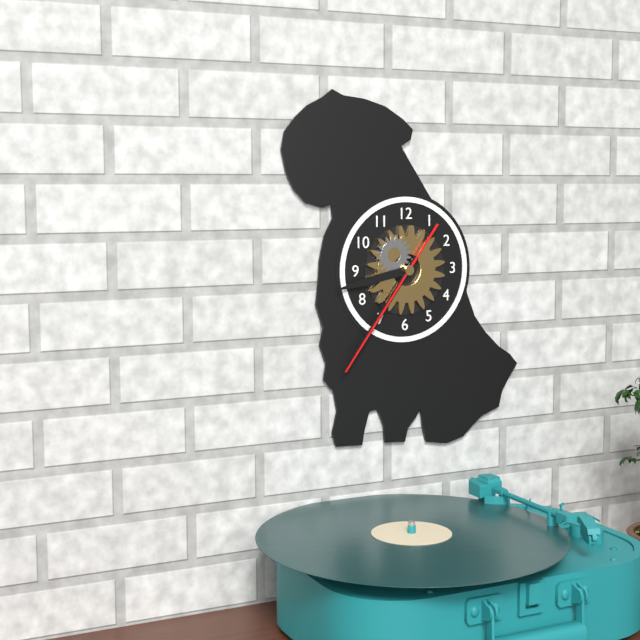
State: 8:36:36
